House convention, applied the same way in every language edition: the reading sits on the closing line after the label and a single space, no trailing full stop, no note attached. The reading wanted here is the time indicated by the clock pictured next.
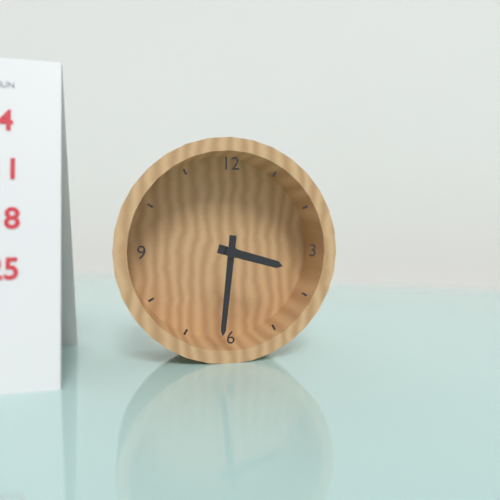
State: 3:31
